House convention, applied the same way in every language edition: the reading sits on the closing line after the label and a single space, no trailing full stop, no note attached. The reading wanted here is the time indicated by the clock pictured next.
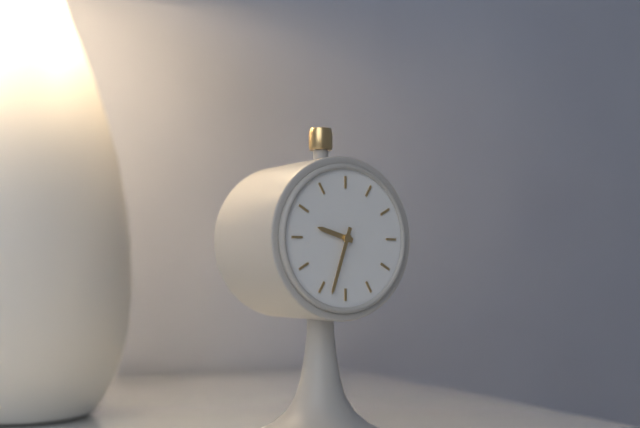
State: 9:33
